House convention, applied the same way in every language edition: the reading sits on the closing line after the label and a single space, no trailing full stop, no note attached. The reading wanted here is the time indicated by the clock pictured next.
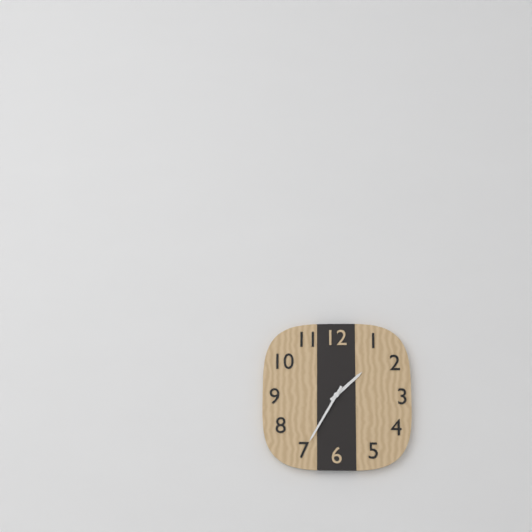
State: 1:35
